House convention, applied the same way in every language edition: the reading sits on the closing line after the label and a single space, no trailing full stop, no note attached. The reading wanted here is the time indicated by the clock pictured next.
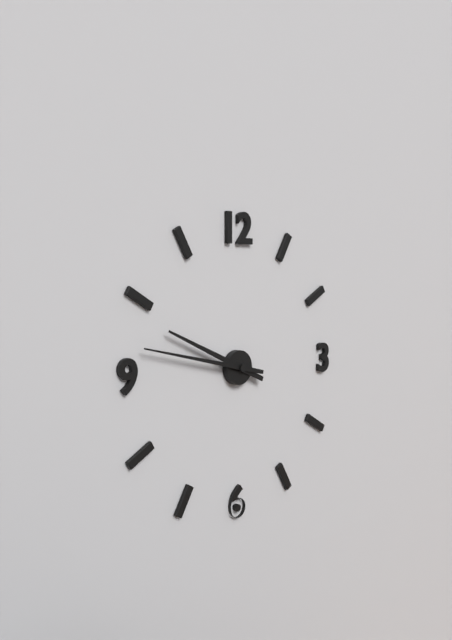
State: 9:47
